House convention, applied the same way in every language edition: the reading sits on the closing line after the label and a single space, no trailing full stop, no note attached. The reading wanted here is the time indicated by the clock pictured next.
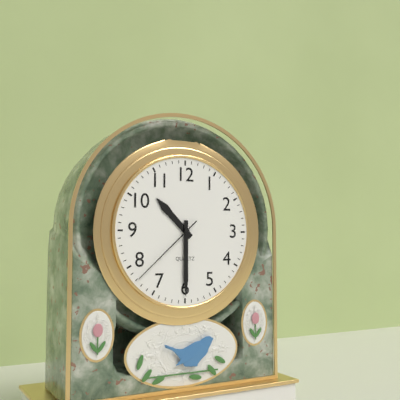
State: 10:30:38
